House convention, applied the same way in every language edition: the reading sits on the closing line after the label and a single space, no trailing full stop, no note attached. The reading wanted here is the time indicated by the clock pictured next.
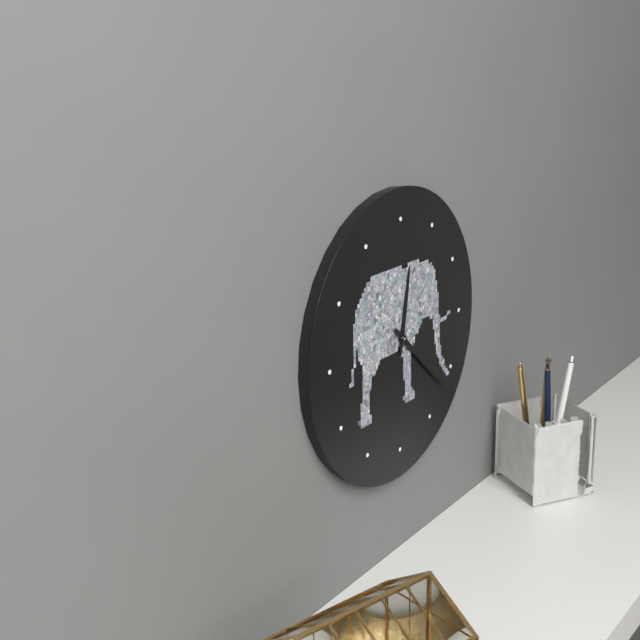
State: 12:22
